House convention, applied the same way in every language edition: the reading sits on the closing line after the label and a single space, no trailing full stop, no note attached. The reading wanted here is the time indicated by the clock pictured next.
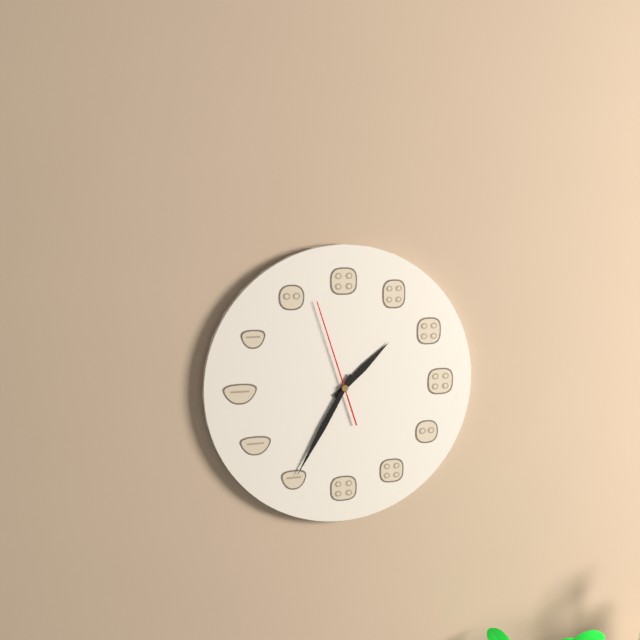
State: 1:35:57
